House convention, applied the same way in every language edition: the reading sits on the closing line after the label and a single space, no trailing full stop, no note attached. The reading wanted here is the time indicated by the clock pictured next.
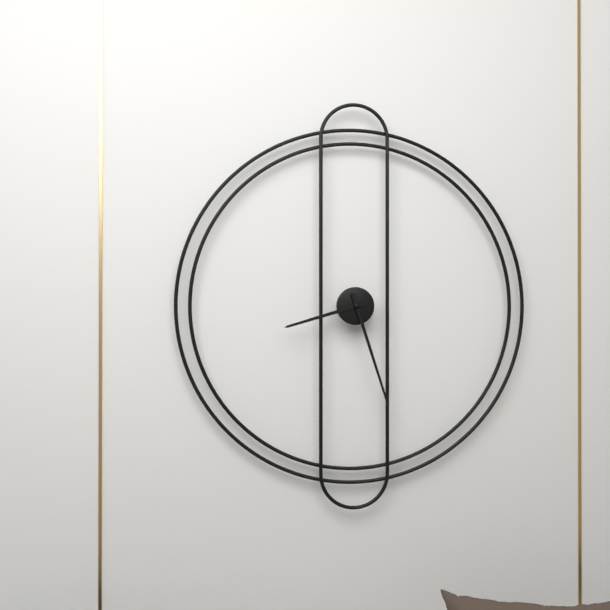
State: 8:27
